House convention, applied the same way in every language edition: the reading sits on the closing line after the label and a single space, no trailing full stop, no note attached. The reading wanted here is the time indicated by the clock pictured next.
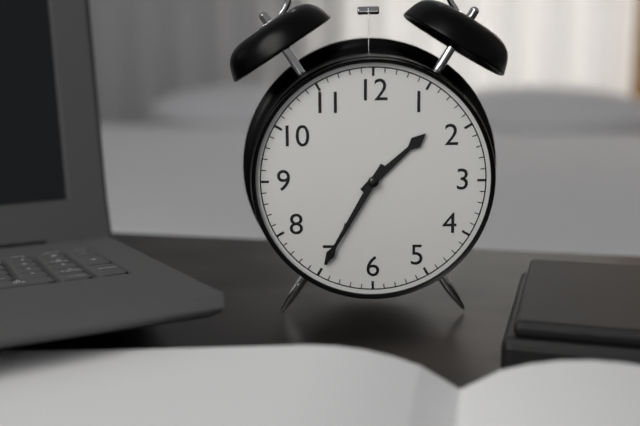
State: 1:35
